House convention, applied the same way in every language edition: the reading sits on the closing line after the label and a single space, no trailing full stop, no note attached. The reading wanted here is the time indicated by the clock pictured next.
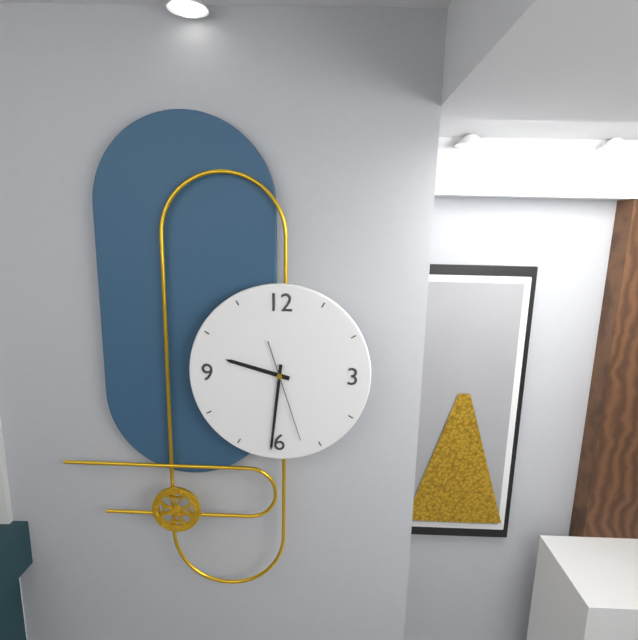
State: 9:31:27
